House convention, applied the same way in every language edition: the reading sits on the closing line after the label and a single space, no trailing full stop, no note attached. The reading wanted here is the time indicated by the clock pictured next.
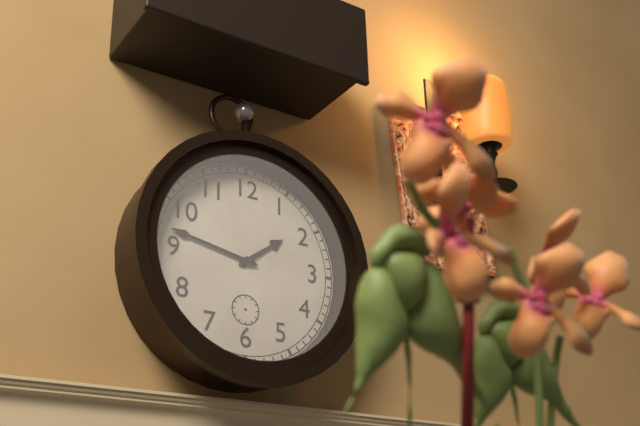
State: 1:47
